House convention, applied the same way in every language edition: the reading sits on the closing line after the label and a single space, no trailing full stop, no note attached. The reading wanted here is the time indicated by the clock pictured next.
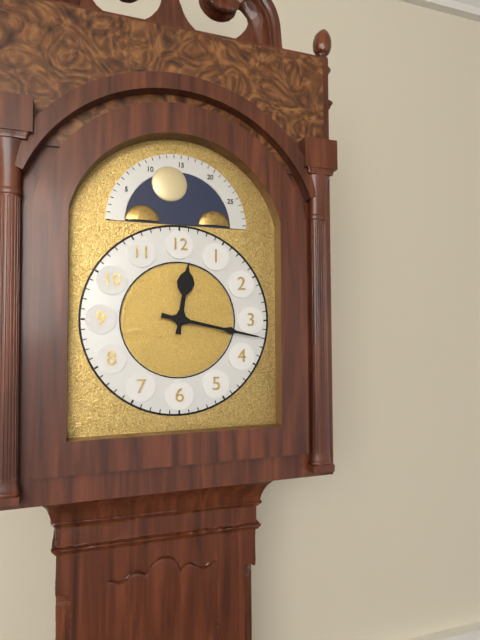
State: 12:17
